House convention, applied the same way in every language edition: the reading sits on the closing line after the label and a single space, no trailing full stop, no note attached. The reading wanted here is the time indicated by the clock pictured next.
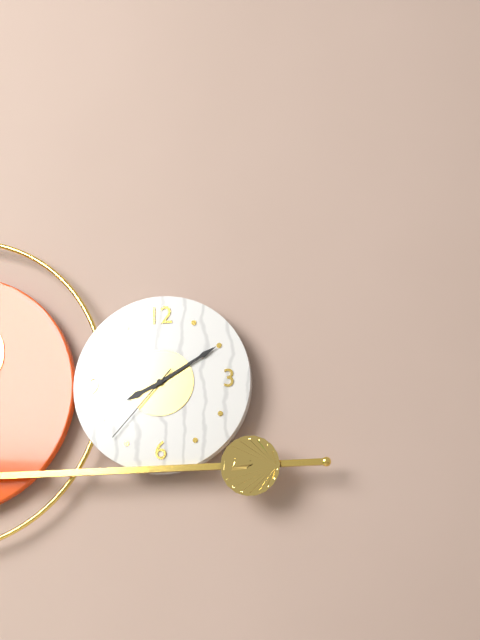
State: 8:10:37
